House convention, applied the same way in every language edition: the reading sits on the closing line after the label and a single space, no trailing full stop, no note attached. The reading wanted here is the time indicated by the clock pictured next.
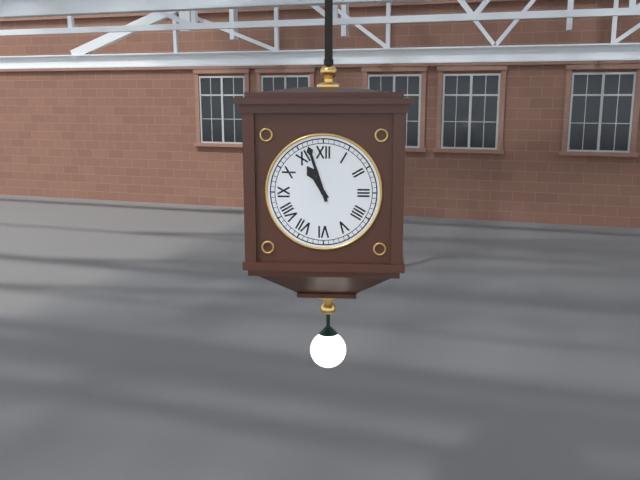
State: 10:57
